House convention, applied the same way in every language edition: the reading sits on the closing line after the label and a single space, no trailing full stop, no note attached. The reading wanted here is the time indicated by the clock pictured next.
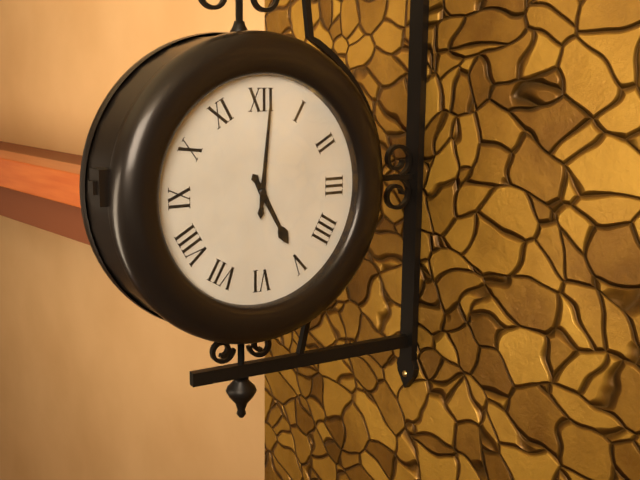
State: 5:01
